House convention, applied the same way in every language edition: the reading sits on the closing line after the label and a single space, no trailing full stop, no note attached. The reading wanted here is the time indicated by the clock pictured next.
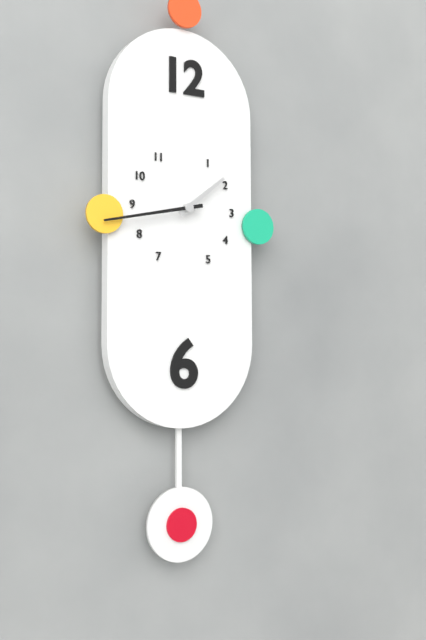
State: 1:43
